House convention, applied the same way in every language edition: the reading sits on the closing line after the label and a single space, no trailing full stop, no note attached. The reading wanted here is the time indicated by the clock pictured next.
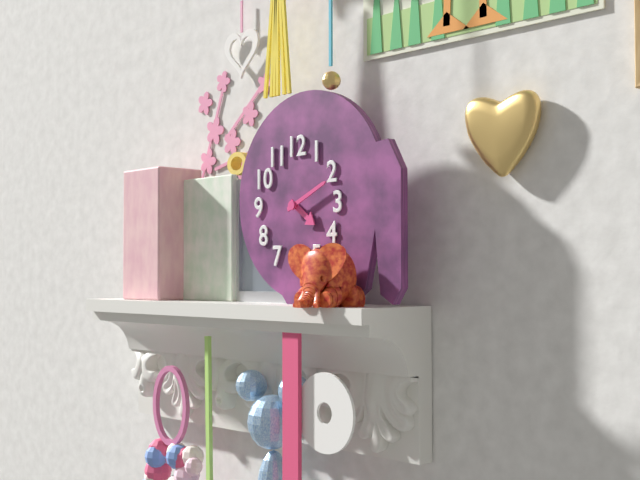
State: 4:11
